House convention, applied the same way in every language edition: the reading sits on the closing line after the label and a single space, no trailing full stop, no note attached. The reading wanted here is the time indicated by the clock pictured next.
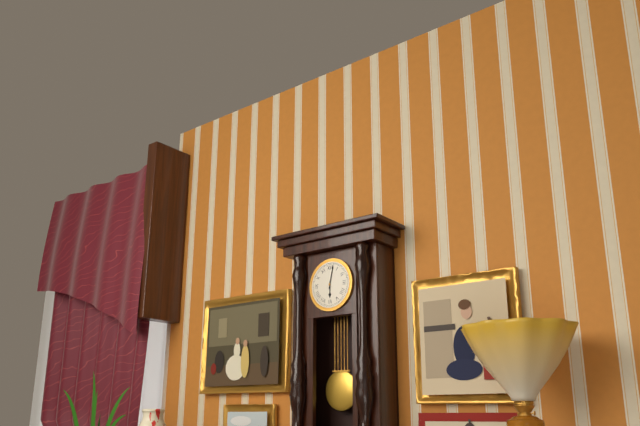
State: 6:02
